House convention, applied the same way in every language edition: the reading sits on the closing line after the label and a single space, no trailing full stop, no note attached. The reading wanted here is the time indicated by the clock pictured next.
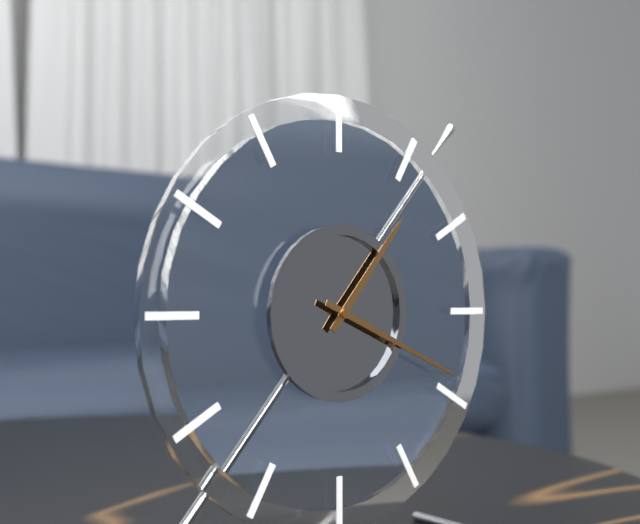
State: 1:19
